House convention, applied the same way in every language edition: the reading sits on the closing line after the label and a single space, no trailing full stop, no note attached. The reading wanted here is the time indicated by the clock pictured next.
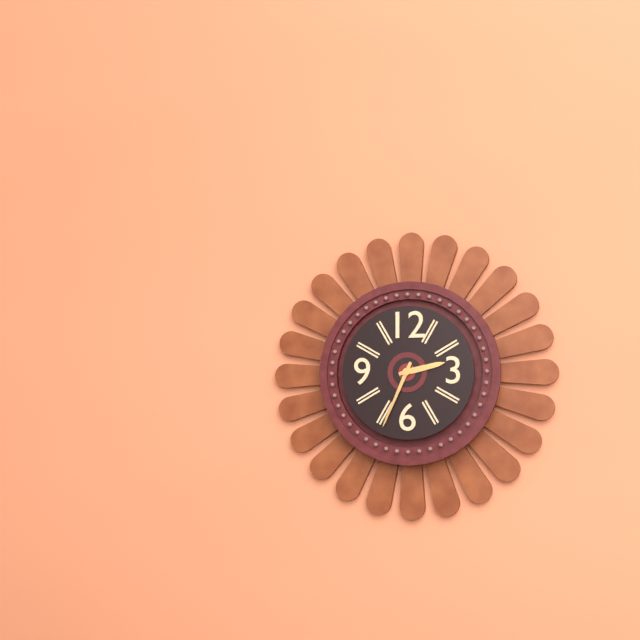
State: 2:34
